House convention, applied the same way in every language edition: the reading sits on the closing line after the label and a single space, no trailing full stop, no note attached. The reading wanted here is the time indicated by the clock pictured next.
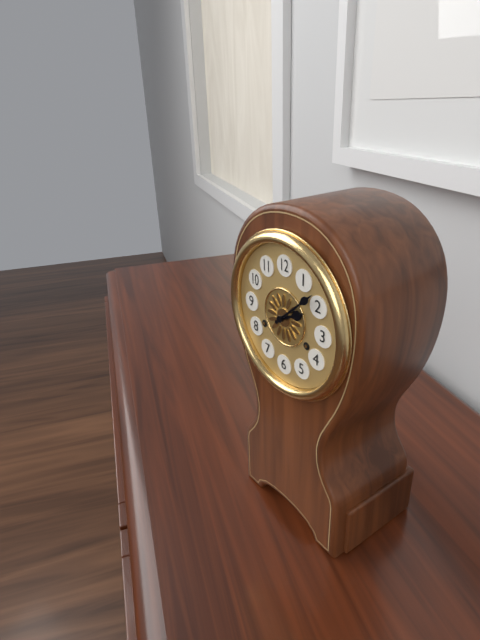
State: 2:08
